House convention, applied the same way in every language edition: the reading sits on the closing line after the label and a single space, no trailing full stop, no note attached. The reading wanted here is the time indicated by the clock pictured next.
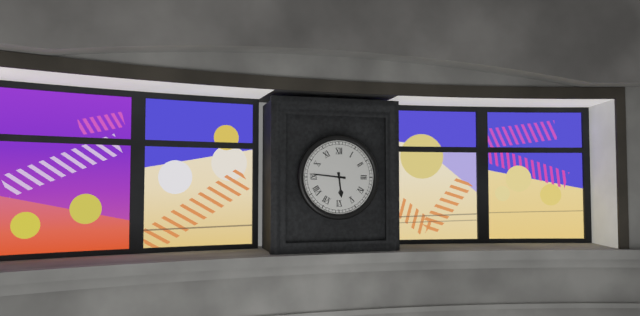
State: 5:46
